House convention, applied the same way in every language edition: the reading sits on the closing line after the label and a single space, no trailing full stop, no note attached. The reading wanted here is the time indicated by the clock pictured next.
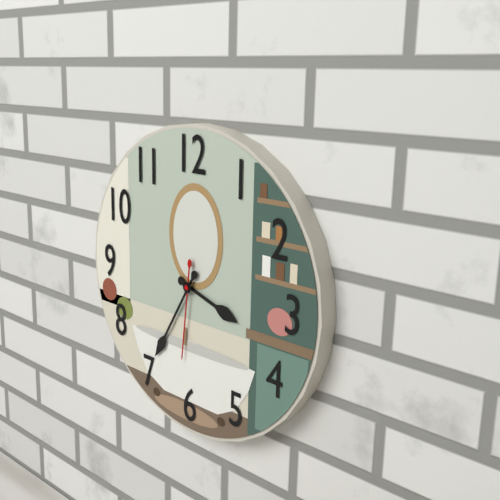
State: 3:35:31
